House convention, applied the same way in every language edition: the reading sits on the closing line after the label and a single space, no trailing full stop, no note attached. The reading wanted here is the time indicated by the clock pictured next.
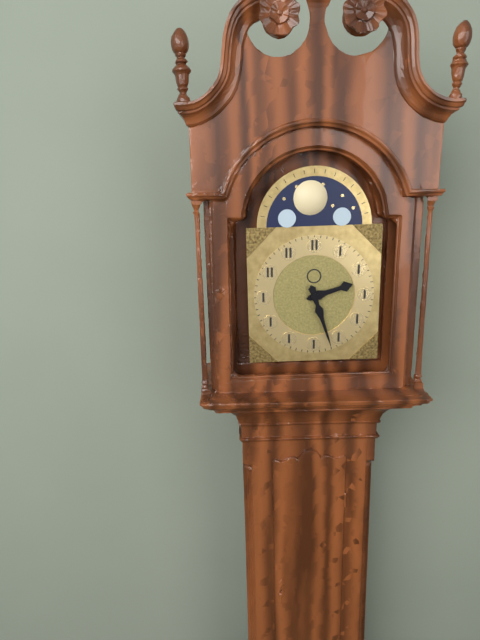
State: 2:27
